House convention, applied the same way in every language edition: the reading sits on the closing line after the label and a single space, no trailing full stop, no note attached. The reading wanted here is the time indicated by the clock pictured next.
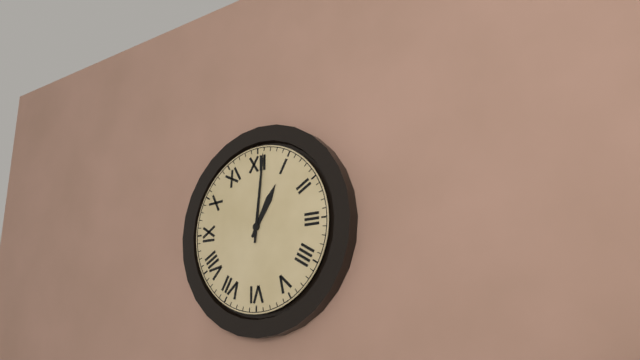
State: 1:01
